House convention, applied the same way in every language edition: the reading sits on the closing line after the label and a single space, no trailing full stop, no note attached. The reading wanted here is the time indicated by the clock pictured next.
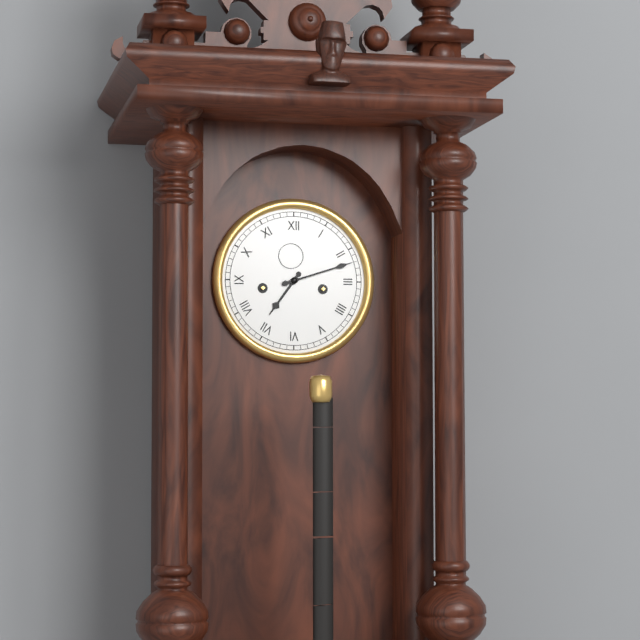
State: 7:12
